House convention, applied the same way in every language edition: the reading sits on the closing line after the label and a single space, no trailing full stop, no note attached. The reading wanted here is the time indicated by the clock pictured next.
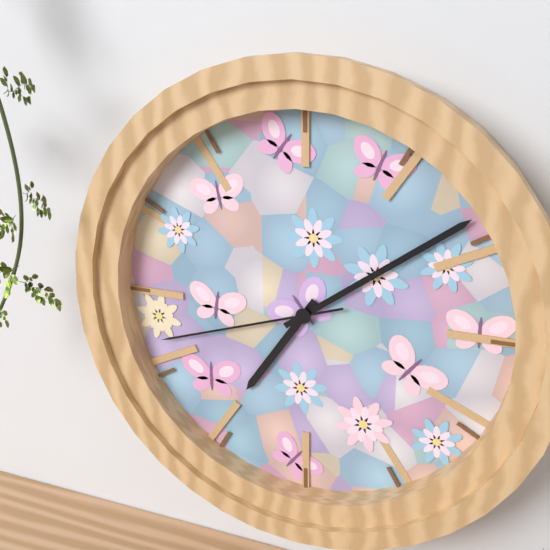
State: 7:09:42
